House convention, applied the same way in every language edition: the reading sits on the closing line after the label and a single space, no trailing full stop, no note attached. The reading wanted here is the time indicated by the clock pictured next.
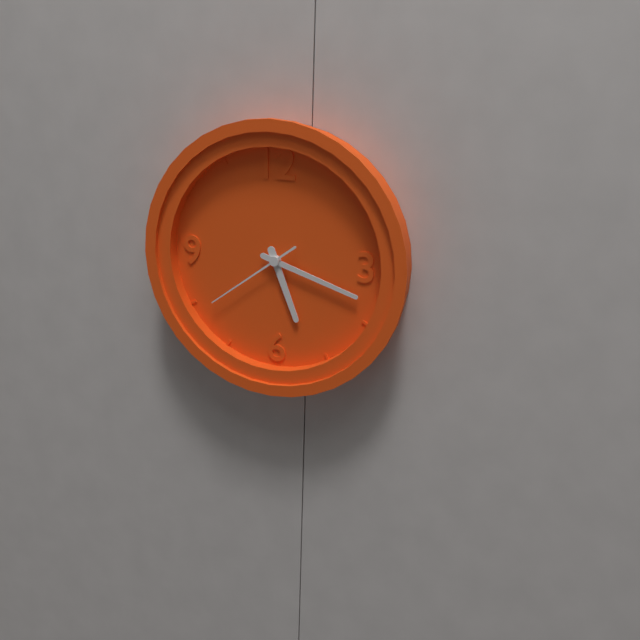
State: 5:18:39
